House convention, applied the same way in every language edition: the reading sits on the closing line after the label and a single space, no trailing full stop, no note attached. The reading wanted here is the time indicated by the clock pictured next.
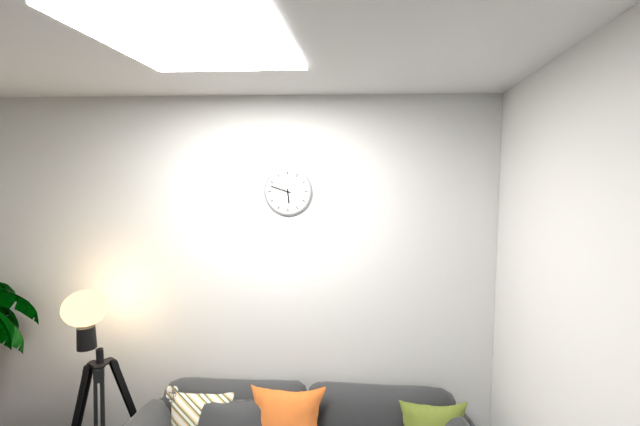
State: 5:48
